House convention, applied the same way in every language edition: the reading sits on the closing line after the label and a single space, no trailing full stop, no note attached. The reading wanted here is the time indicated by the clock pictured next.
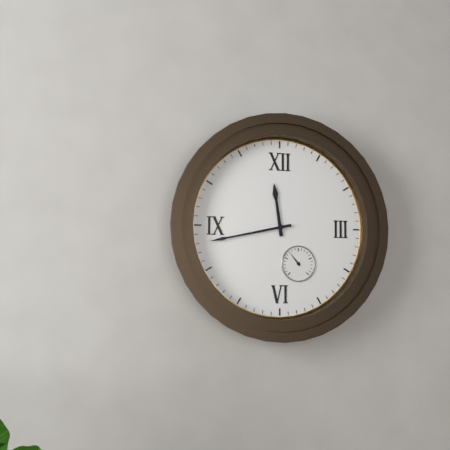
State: 11:43
